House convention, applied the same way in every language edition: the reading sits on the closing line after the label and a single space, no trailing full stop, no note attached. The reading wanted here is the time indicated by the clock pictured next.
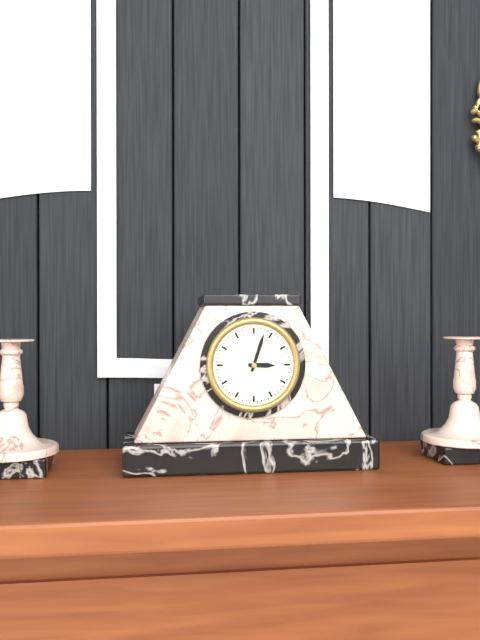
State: 3:03
